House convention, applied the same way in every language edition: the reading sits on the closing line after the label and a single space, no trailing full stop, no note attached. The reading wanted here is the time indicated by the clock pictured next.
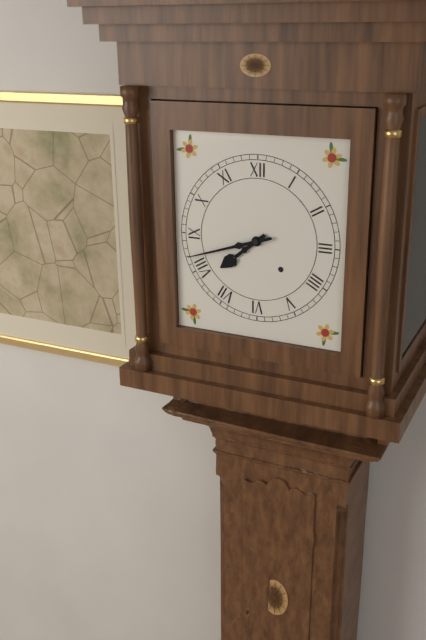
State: 7:42
